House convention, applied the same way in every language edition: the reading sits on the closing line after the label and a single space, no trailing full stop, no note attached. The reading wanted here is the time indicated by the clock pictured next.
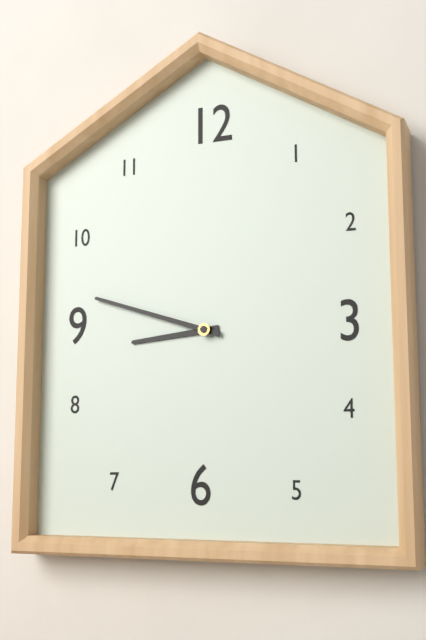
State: 8:48
